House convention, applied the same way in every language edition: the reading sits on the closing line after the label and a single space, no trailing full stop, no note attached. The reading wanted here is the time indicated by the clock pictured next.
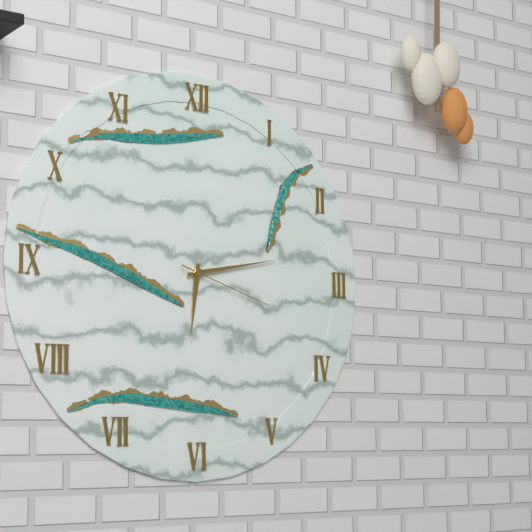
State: 6:13:18
